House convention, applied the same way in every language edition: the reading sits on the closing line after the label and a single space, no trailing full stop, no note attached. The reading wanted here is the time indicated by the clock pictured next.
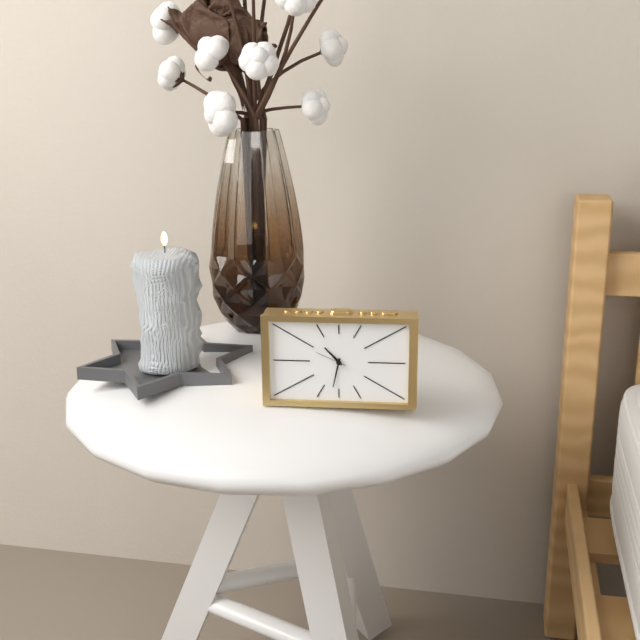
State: 10:32
